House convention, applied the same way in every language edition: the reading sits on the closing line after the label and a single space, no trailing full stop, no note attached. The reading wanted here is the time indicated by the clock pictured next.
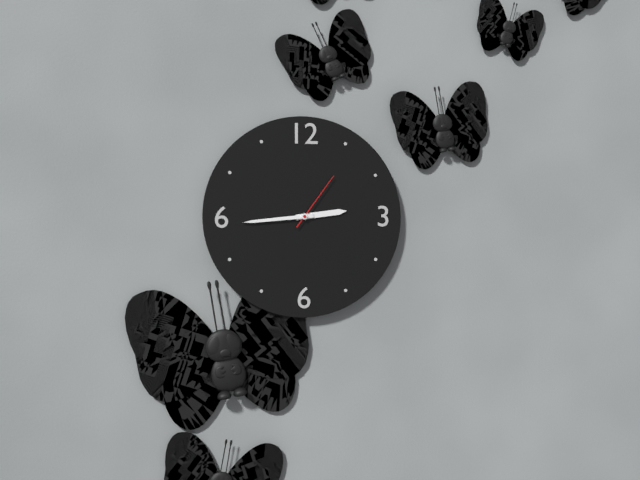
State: 2:44:06
